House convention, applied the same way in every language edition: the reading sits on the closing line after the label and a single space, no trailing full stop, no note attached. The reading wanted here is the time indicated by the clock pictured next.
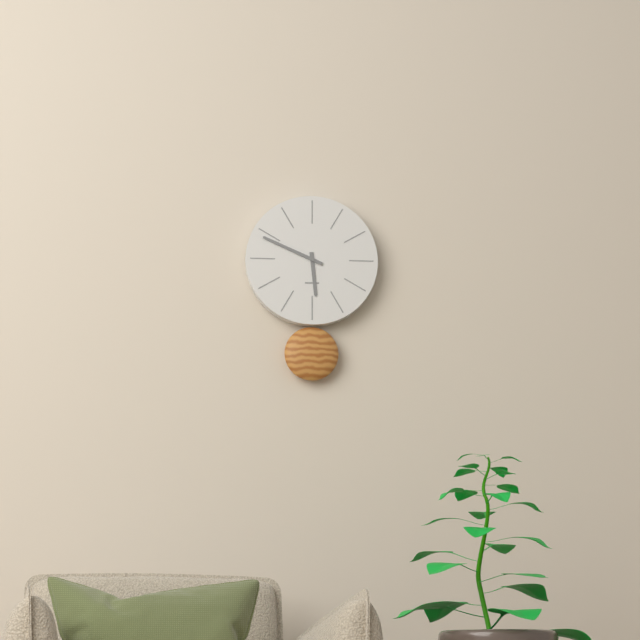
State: 5:49
